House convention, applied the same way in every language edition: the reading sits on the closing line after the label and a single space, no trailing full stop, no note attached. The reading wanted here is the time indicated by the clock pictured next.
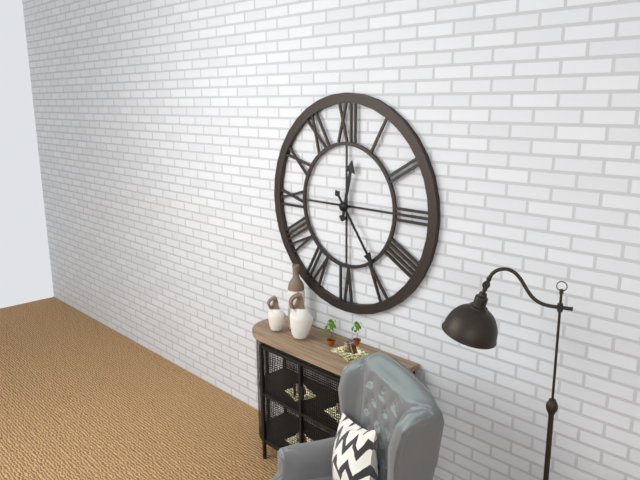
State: 12:24
